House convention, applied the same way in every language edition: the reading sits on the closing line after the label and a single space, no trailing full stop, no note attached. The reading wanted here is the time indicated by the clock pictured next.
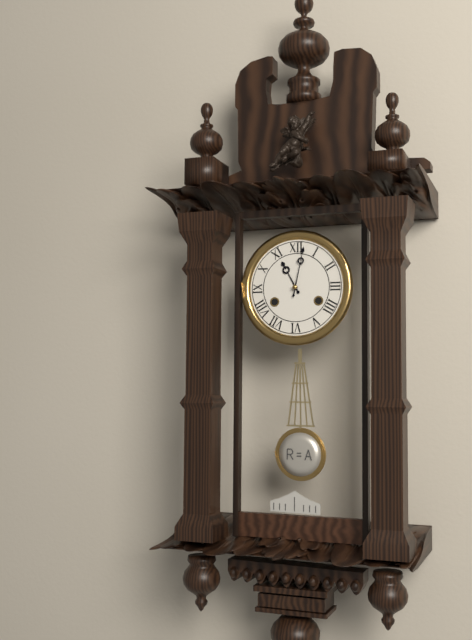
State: 11:02
